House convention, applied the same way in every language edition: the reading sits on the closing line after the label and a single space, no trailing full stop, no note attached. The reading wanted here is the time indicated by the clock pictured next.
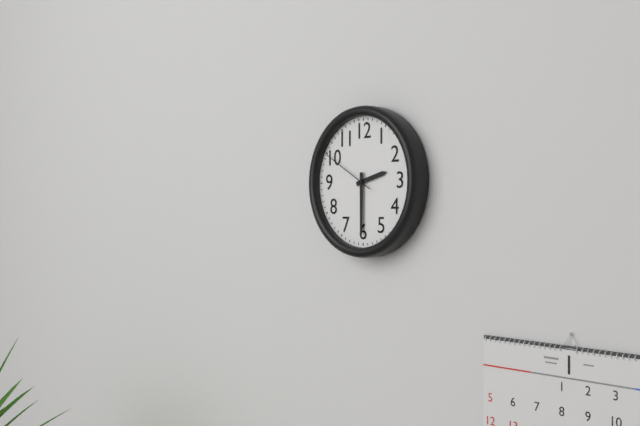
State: 2:30:50
